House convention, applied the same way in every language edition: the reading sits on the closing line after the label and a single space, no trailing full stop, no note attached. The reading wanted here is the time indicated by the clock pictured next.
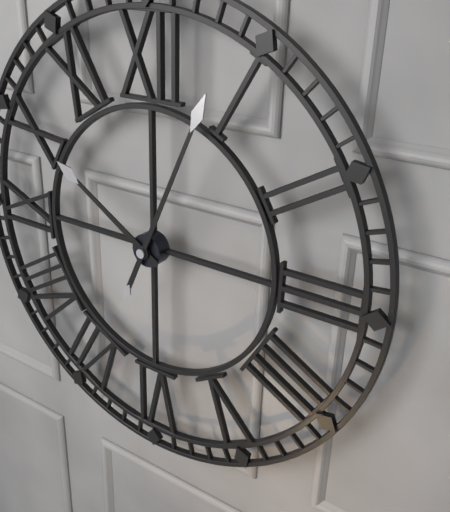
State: 10:04
